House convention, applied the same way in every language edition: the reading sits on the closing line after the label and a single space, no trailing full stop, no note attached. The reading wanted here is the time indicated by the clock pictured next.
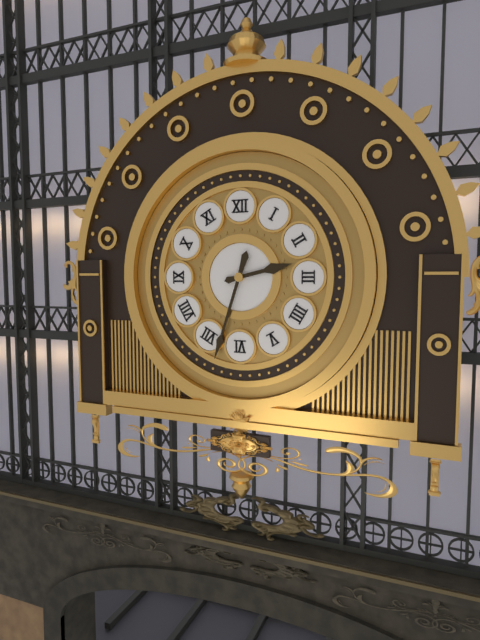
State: 2:33
